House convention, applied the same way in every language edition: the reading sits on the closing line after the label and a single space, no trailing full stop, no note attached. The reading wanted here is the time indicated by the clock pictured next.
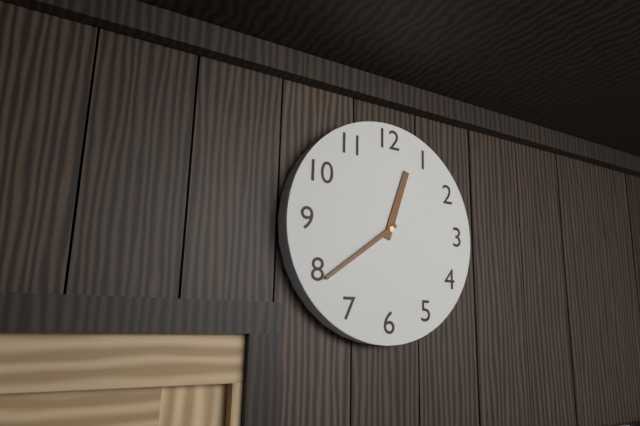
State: 12:39
